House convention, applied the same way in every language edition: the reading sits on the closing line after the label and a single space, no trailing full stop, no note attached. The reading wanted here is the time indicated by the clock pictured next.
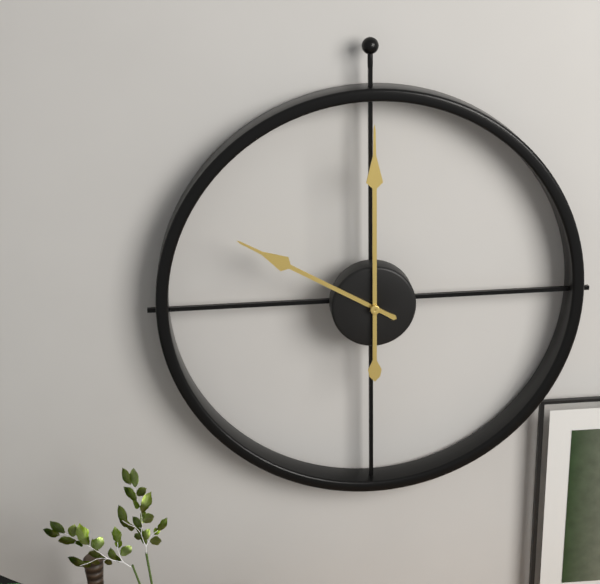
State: 10:00
